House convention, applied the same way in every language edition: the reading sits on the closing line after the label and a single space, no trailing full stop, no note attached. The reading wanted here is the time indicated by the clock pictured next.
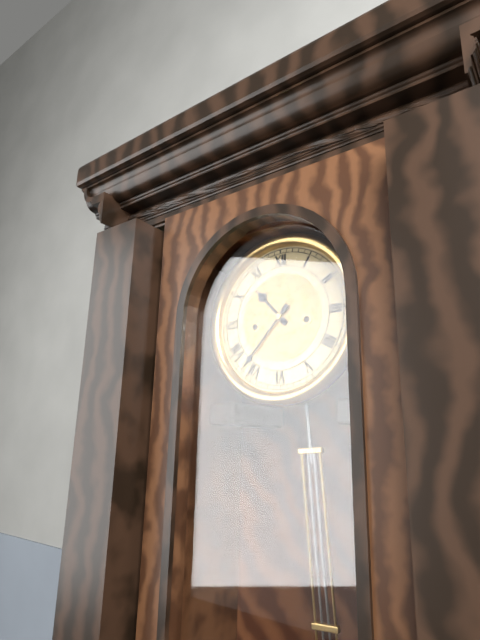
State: 10:37
